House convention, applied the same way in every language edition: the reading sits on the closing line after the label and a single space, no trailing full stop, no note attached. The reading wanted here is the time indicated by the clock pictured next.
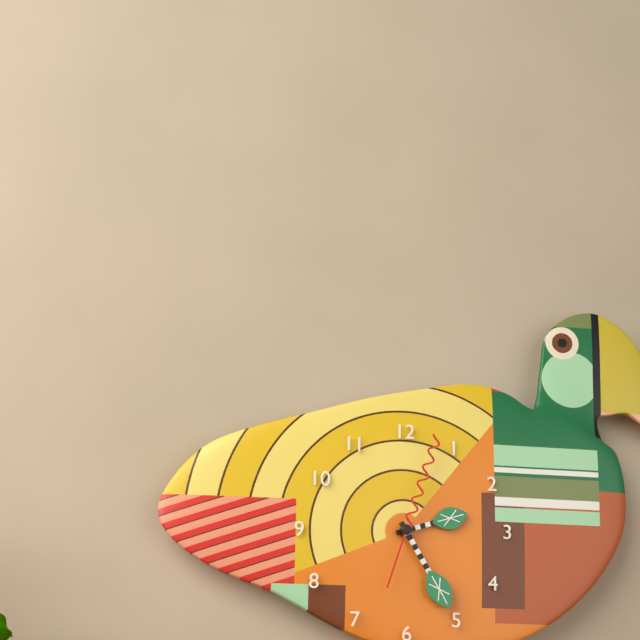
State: 2:25:03
